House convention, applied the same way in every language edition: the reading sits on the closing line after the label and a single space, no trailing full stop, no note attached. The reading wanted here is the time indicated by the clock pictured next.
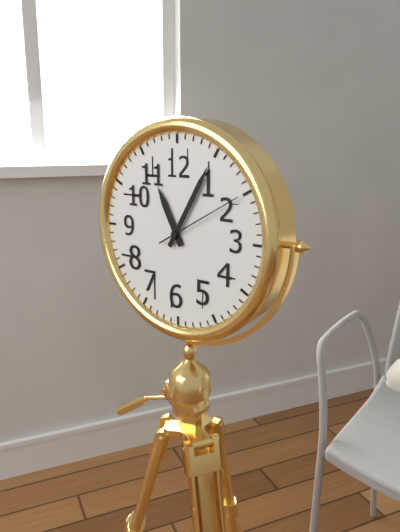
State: 11:05:10
